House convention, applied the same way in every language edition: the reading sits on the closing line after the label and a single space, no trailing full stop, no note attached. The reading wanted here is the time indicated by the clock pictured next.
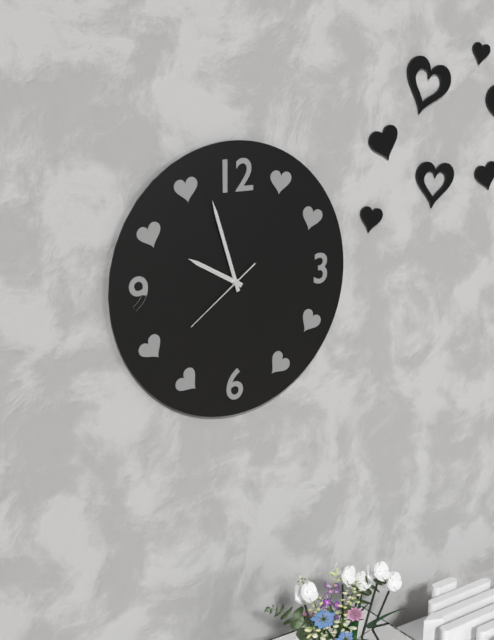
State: 9:57:39
